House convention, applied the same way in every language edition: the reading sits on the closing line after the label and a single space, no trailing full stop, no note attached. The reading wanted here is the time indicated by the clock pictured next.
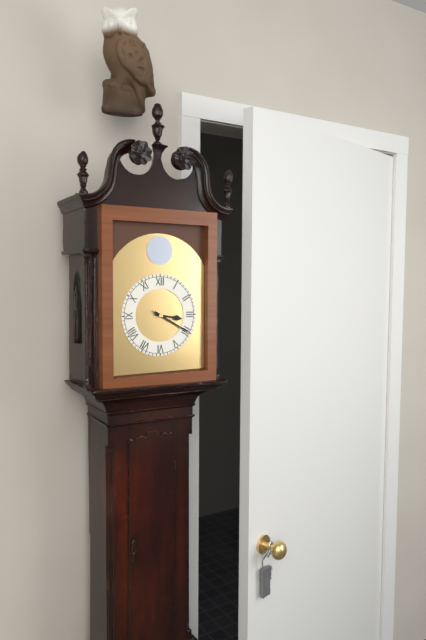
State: 3:20
